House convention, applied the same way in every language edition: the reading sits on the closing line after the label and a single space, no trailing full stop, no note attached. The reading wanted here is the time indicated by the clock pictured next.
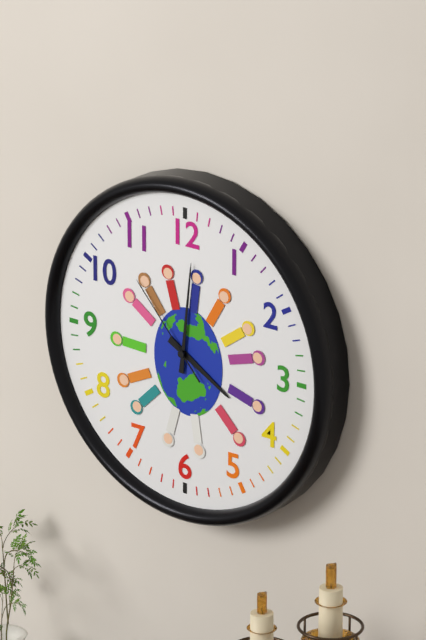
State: 4:01:53
